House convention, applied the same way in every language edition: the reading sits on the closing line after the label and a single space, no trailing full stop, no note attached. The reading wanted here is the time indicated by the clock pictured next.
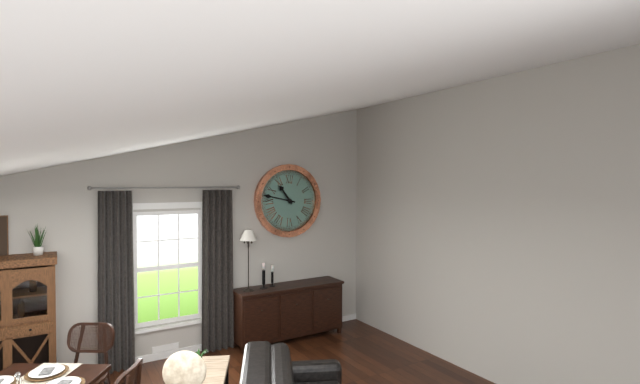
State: 10:47
